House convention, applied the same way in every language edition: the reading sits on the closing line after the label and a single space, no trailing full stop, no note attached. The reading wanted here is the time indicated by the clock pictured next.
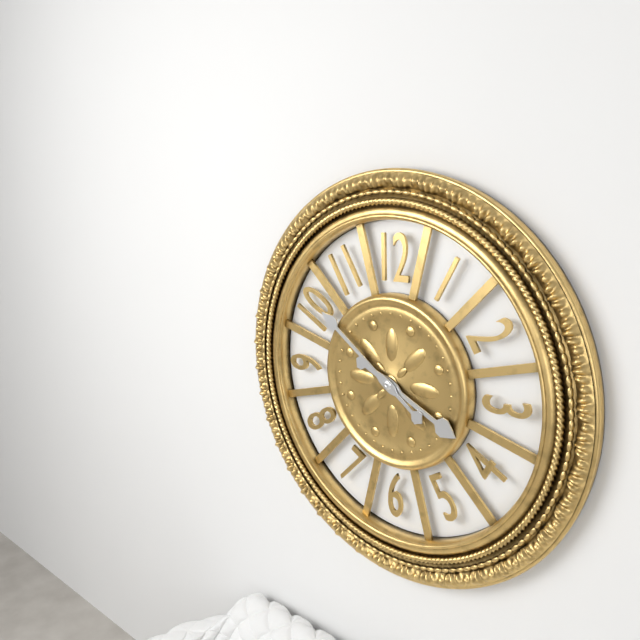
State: 3:51
